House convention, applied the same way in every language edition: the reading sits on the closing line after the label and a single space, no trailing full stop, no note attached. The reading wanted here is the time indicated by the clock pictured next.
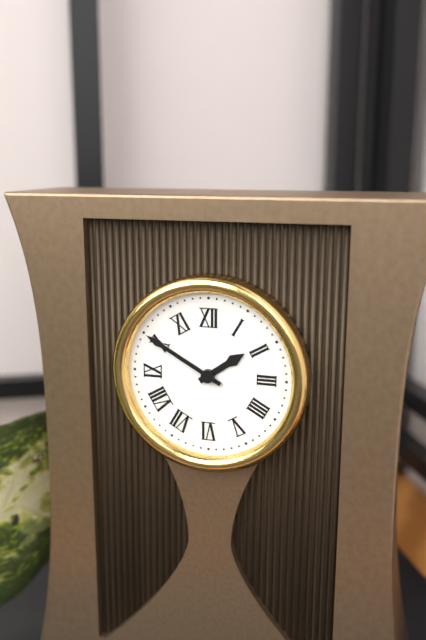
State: 1:50
